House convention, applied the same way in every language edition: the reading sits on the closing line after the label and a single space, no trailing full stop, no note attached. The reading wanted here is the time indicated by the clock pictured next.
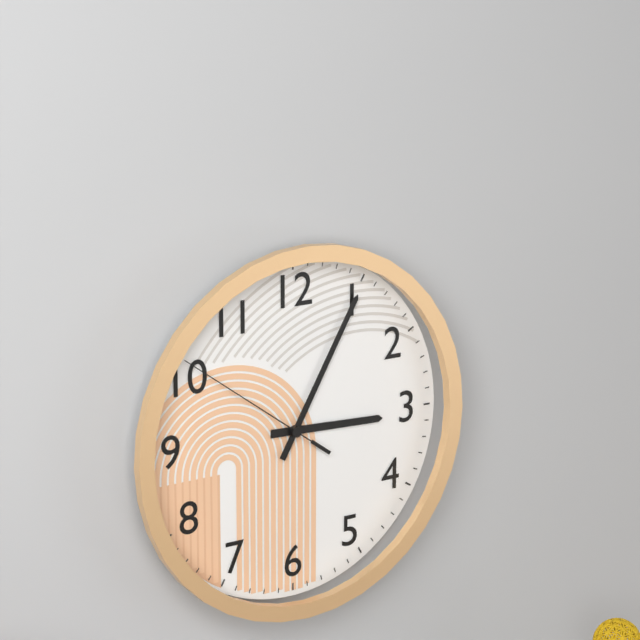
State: 3:05:51
